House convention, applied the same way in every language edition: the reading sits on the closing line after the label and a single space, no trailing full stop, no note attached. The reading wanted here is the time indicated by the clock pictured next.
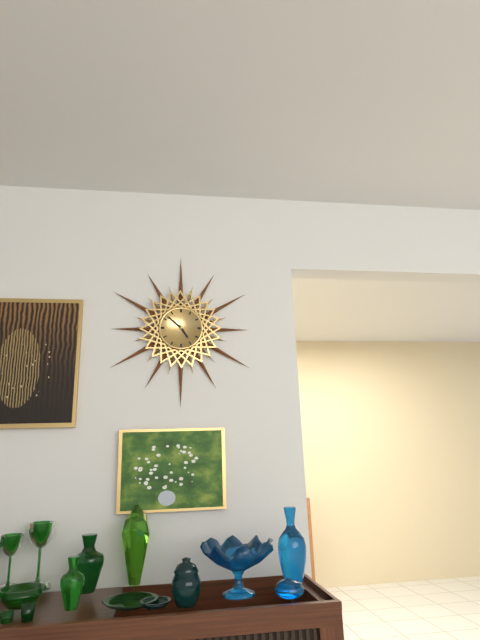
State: 4:52
